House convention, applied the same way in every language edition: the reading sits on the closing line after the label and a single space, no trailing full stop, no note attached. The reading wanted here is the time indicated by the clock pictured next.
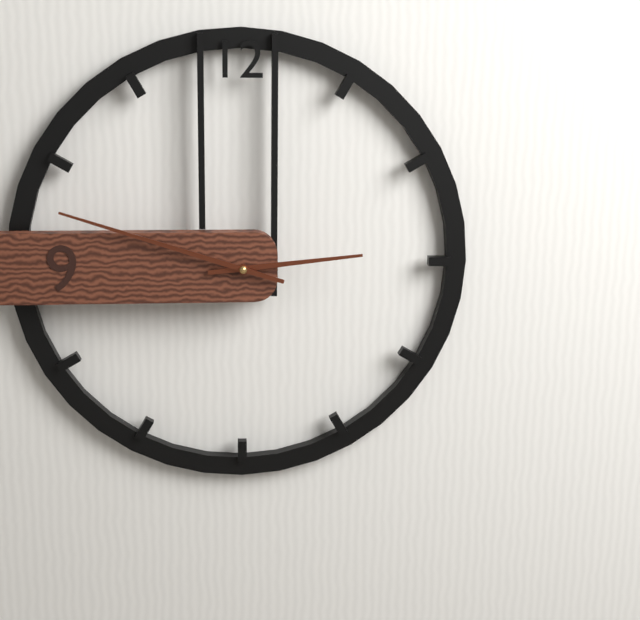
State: 2:48
